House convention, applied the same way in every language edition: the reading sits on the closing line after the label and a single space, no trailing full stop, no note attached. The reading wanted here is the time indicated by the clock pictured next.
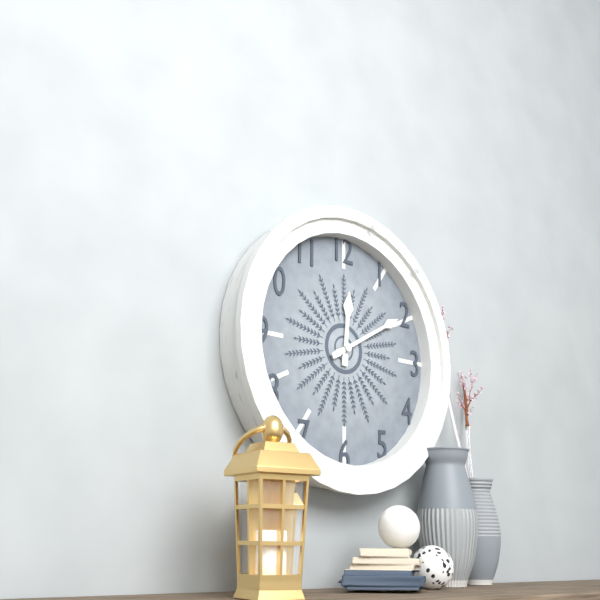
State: 12:10
